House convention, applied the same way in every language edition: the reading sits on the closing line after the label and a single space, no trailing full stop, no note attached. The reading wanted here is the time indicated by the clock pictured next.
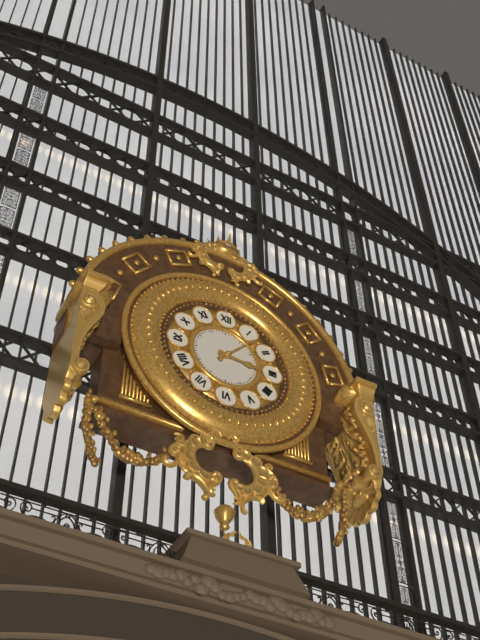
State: 3:07
